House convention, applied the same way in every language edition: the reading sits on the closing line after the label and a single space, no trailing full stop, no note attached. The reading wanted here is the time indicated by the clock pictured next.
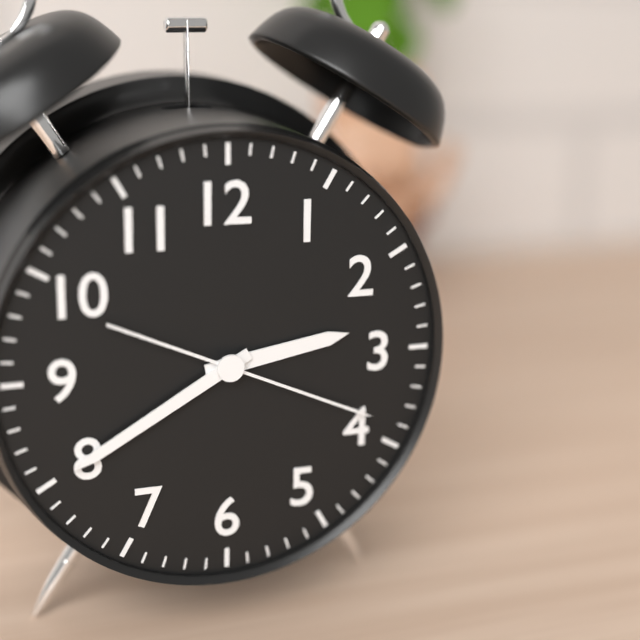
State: 2:40:19
